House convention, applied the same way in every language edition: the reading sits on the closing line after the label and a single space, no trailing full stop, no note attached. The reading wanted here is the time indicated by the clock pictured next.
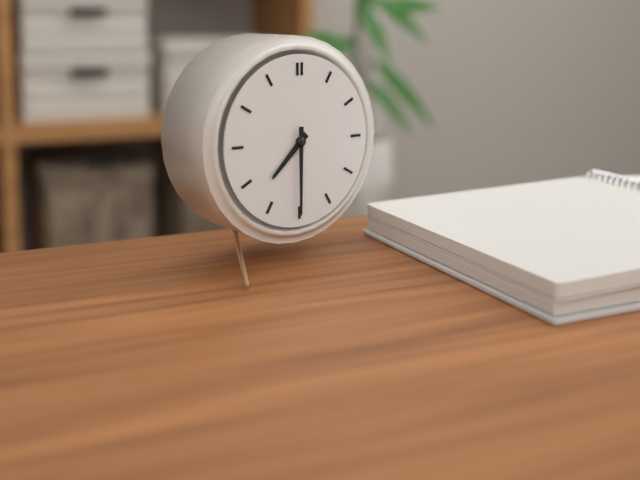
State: 7:30
